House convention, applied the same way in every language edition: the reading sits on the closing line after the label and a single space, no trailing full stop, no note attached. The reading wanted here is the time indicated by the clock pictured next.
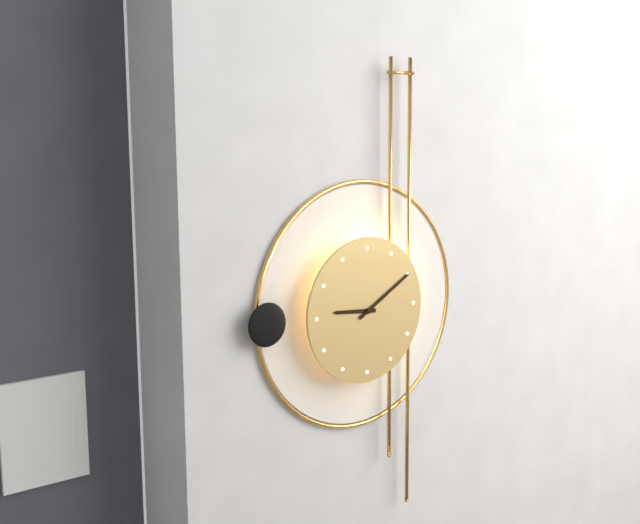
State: 9:10
